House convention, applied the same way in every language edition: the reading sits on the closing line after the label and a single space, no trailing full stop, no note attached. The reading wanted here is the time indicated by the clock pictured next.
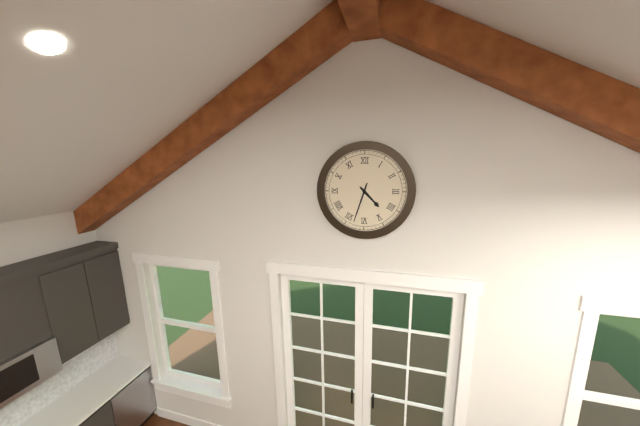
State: 4:33
